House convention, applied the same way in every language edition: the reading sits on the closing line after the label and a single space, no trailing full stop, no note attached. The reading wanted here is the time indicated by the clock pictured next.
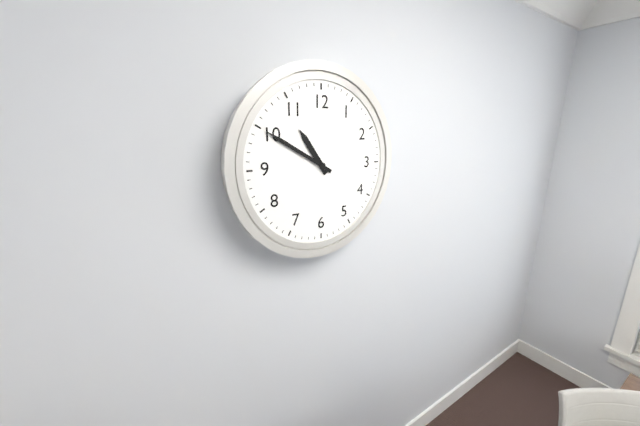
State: 10:50
